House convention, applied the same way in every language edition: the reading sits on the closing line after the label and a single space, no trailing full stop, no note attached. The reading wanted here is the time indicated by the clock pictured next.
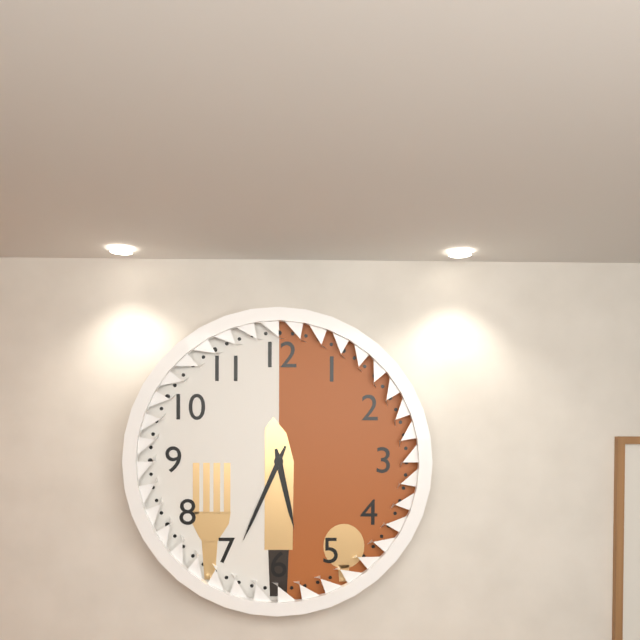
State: 5:34
